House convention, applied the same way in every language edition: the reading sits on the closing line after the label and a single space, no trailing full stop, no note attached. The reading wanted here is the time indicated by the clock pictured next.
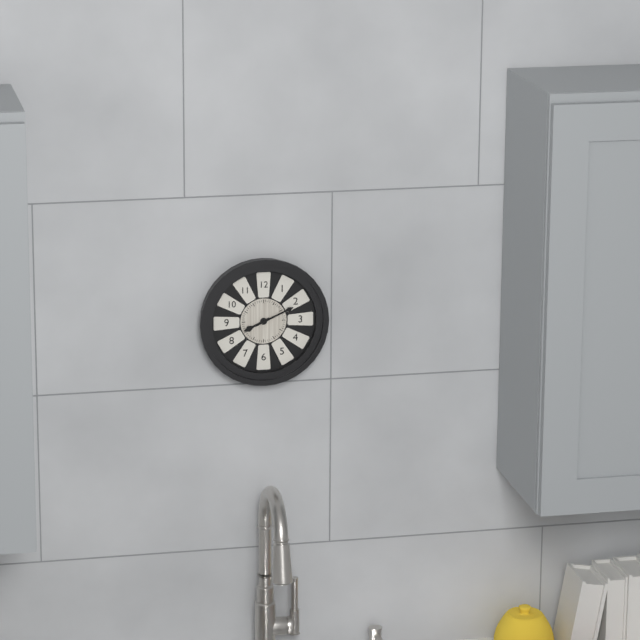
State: 8:11
